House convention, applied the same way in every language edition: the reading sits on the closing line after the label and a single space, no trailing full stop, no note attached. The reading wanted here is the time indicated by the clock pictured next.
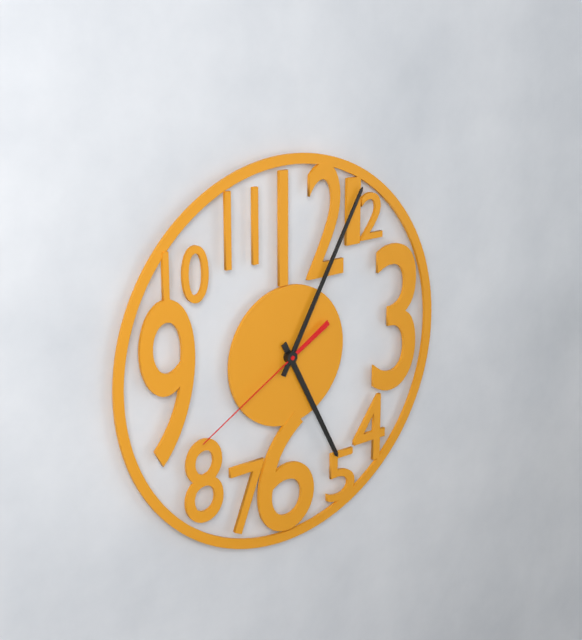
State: 5:05:40
